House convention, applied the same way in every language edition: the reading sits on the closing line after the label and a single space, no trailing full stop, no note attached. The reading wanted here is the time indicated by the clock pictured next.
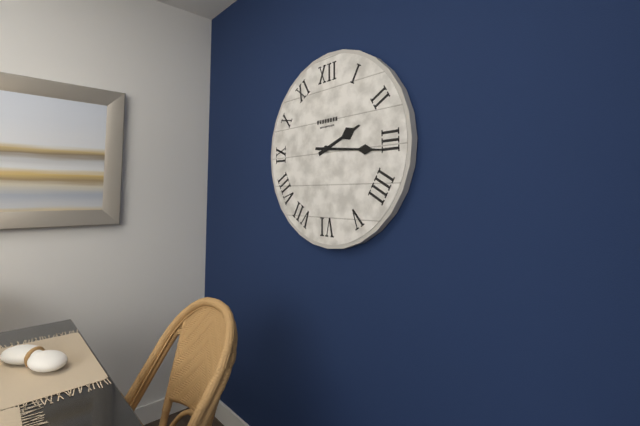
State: 2:16
